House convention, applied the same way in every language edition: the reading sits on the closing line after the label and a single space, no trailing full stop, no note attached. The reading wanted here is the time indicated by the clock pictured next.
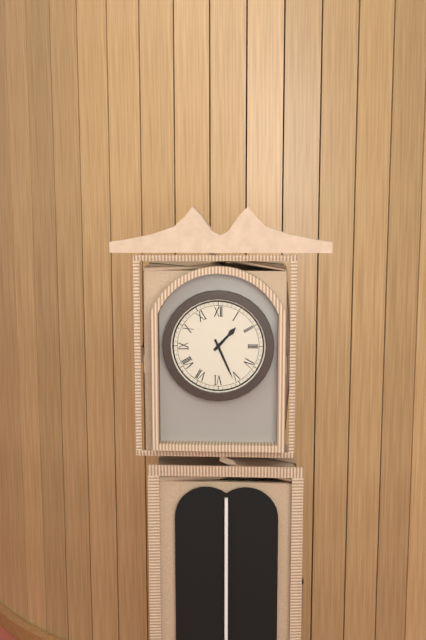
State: 1:26
